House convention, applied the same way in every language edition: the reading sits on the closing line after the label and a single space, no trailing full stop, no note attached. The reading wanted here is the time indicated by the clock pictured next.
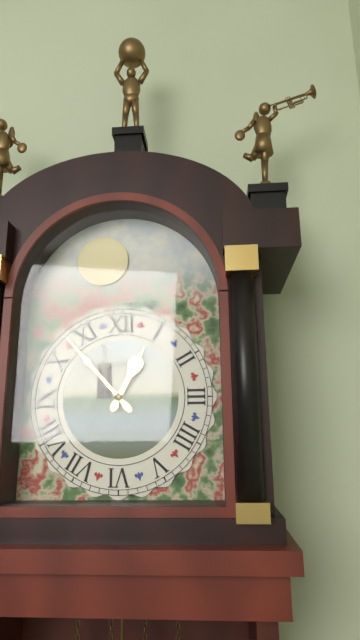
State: 12:53
